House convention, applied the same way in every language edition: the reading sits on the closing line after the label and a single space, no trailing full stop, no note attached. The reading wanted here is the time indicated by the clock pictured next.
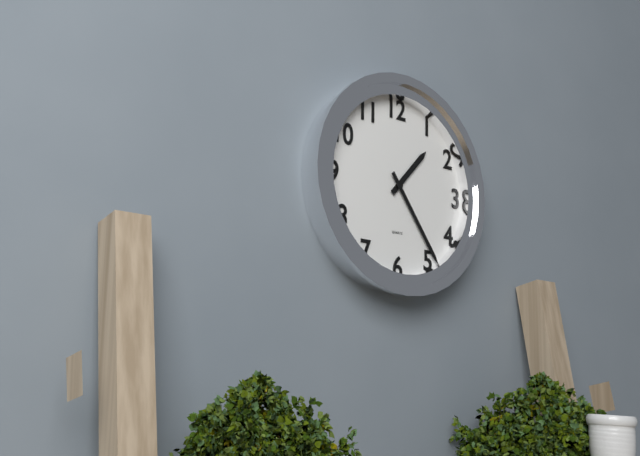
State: 1:24
